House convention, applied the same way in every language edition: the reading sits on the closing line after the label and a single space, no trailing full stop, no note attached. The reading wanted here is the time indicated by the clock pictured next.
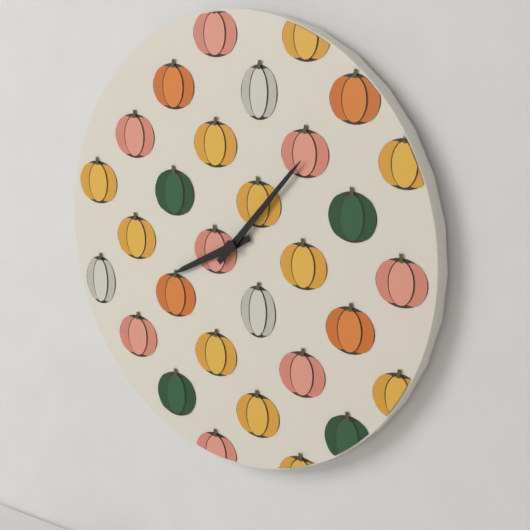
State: 8:07
